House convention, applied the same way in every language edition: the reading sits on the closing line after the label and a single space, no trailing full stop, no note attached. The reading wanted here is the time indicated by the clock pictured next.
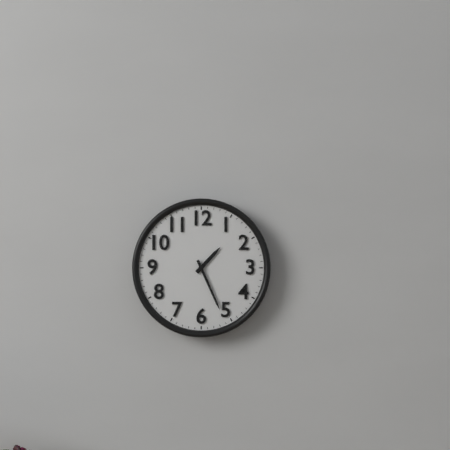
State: 1:26
